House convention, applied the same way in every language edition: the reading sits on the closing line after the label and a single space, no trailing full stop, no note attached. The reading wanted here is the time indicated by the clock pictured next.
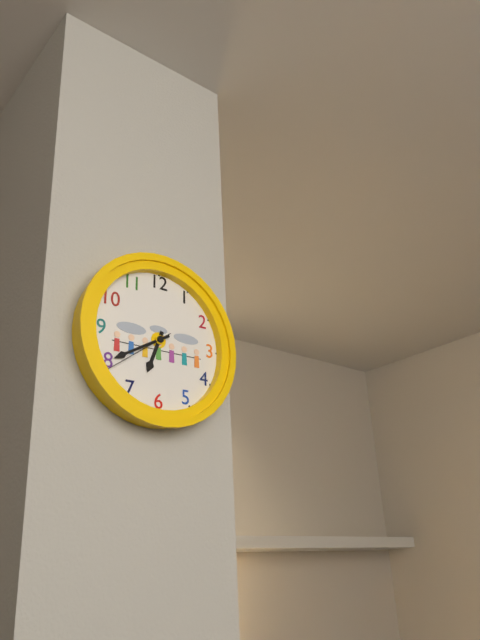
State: 6:40:39
